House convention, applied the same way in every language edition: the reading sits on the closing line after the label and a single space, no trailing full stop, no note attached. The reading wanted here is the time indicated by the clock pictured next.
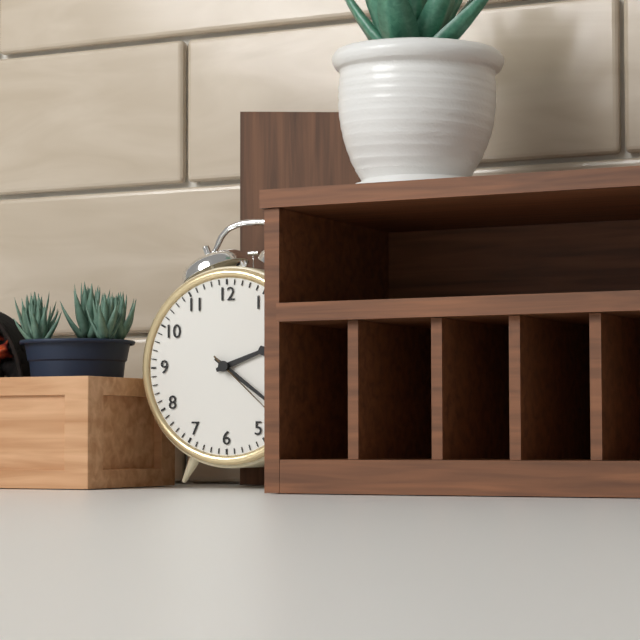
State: 2:21:22
